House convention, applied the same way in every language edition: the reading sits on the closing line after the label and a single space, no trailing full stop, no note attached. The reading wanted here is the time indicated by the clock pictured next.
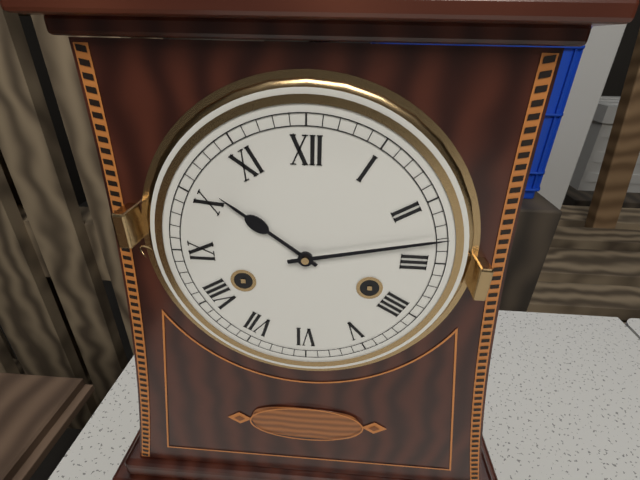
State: 10:13
